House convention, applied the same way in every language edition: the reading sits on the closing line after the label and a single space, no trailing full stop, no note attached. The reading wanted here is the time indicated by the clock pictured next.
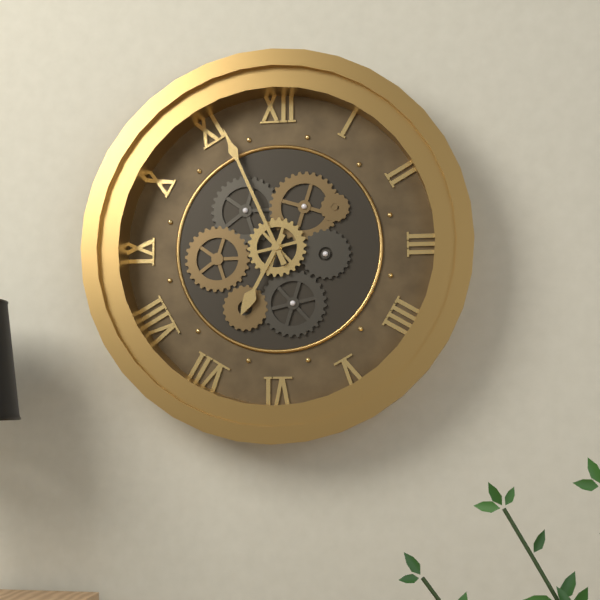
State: 6:56
